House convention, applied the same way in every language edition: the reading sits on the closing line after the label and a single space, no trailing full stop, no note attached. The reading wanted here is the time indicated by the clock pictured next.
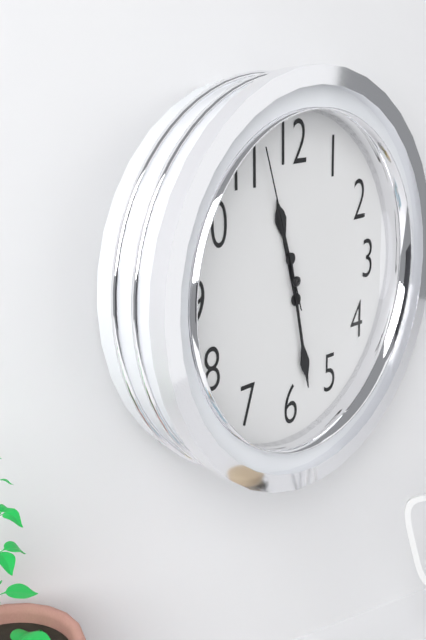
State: 11:28:57
